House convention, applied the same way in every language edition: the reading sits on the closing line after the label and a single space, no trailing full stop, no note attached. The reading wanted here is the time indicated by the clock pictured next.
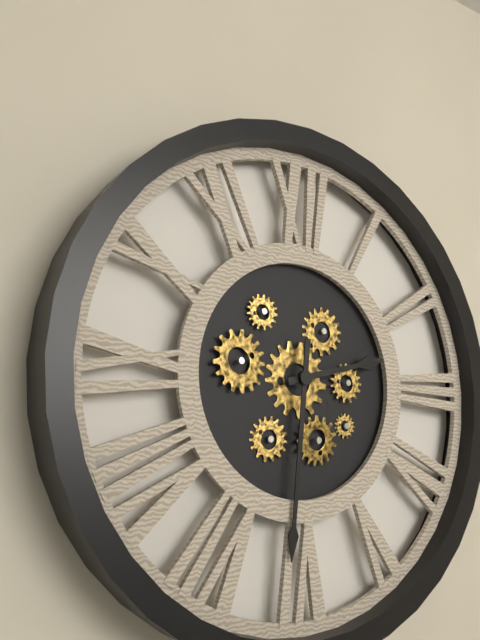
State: 2:31
